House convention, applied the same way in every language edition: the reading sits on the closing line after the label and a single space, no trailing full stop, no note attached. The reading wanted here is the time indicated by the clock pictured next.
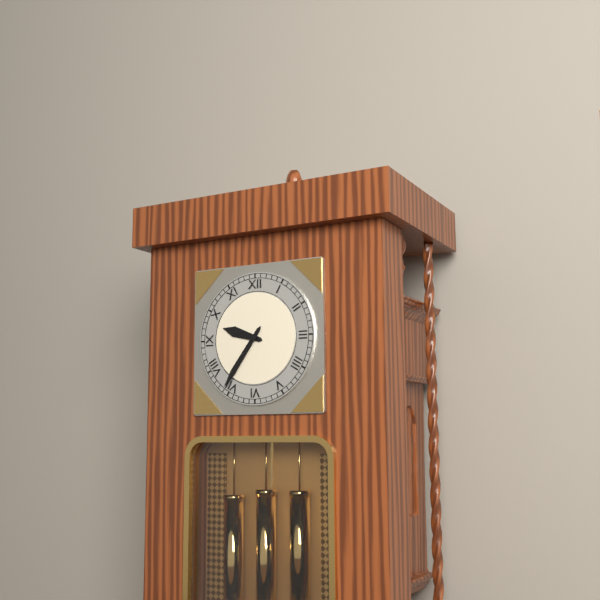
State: 9:36
